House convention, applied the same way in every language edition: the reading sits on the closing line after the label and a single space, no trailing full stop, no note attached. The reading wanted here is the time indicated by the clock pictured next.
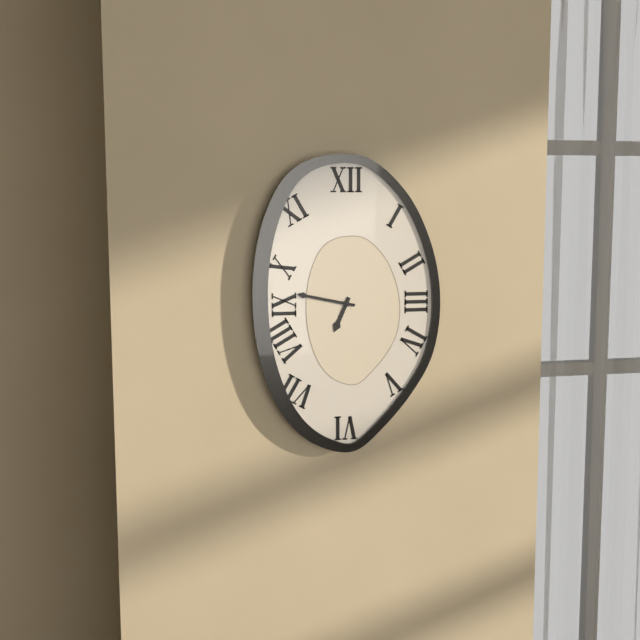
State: 6:47
